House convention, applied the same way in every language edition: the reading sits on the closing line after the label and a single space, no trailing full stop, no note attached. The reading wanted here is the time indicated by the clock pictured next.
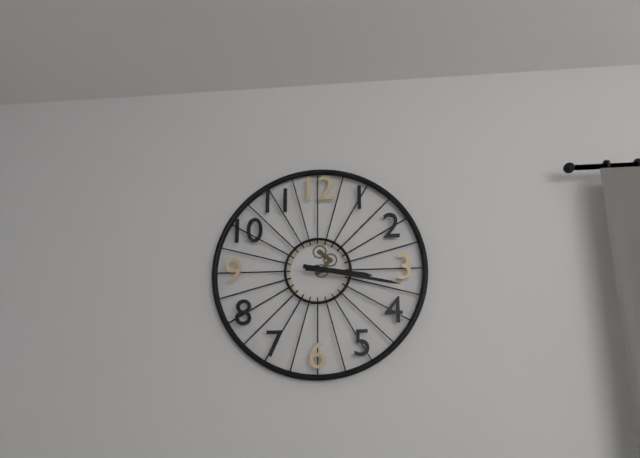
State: 3:17
